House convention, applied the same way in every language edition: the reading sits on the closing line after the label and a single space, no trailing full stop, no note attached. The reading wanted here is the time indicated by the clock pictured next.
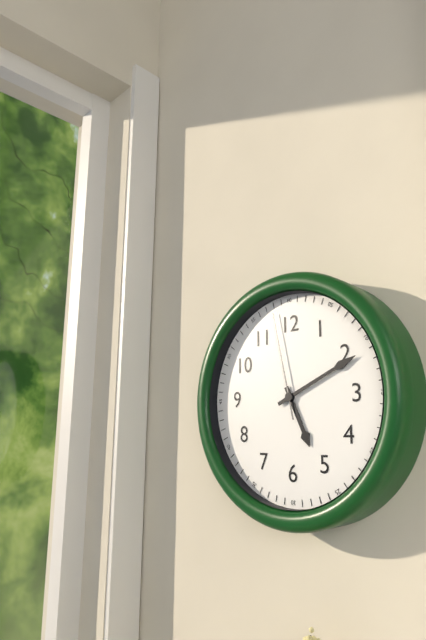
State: 5:11:58
